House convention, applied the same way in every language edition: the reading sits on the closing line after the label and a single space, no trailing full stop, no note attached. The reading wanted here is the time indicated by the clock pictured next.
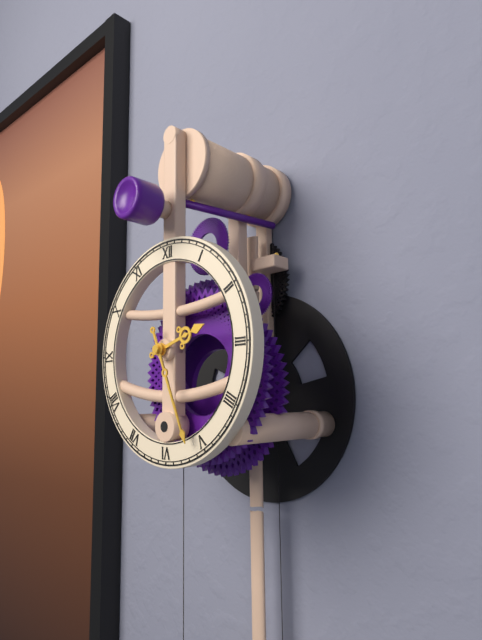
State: 2:26
